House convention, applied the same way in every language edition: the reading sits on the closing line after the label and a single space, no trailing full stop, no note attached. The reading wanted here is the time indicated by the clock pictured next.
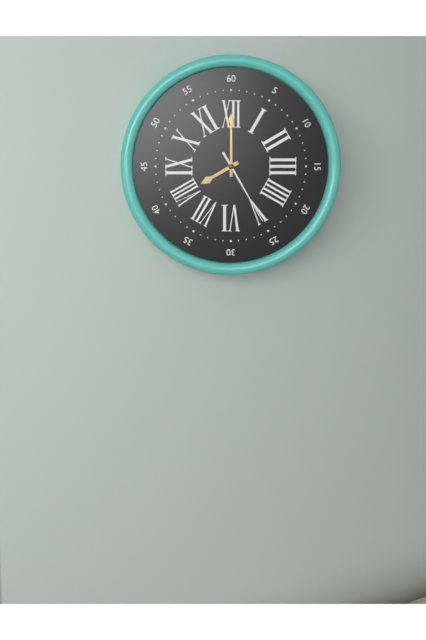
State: 8:00:25
